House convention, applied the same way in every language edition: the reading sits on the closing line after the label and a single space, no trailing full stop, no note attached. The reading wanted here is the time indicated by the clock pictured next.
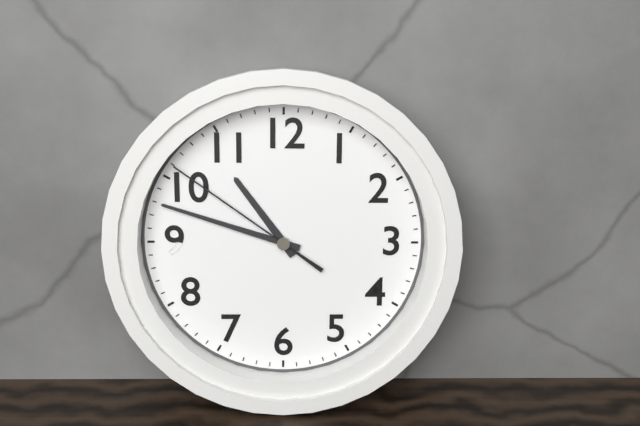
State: 10:48:51
